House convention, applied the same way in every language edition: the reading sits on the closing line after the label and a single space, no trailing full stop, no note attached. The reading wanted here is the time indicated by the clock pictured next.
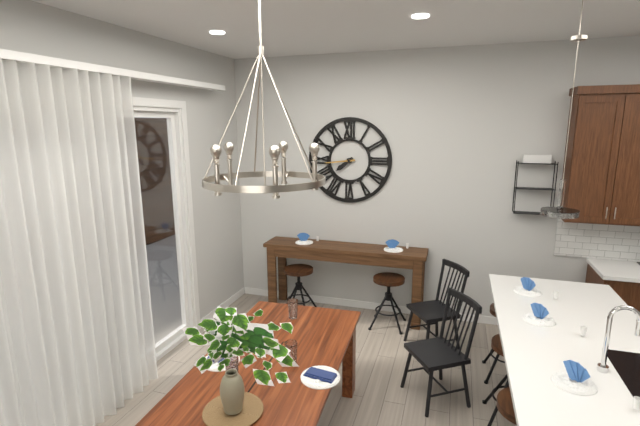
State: 7:44
